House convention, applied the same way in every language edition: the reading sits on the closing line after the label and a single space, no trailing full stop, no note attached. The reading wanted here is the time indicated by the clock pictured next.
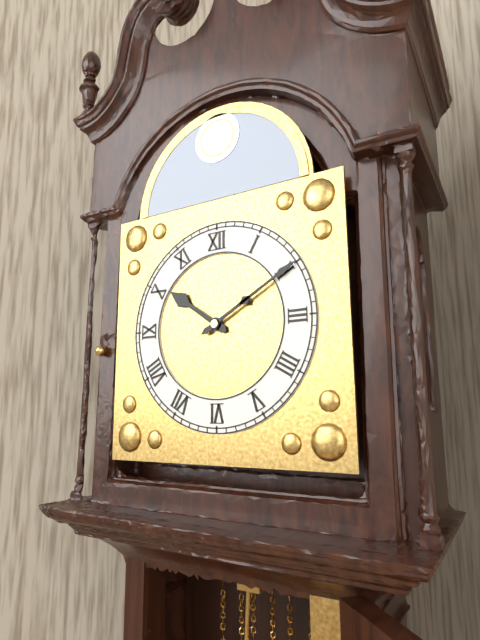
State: 10:10
